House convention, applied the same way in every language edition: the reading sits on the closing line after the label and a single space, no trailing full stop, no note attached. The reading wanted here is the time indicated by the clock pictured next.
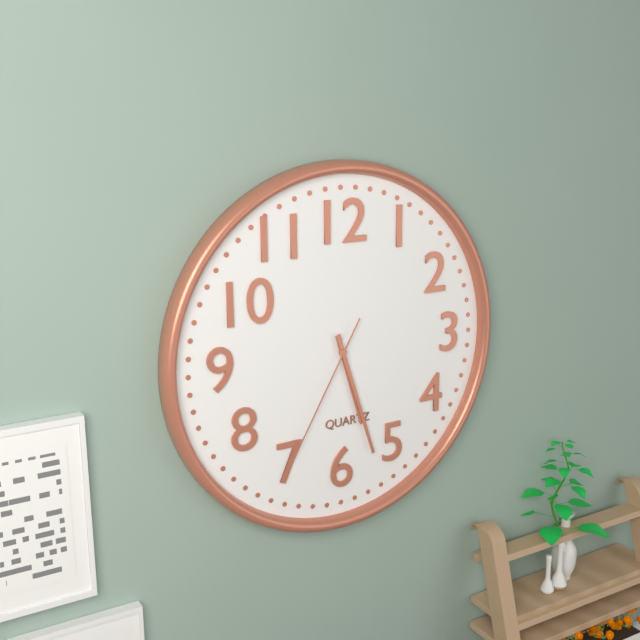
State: 5:27:35
